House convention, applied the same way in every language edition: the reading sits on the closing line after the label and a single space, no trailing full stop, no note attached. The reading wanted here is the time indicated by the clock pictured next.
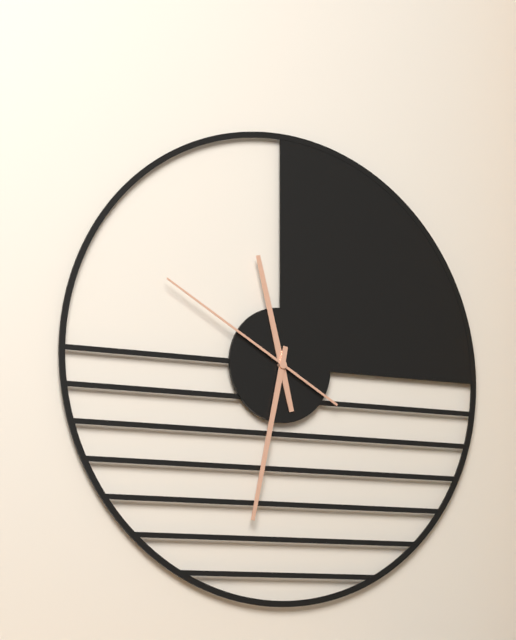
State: 11:32:50
